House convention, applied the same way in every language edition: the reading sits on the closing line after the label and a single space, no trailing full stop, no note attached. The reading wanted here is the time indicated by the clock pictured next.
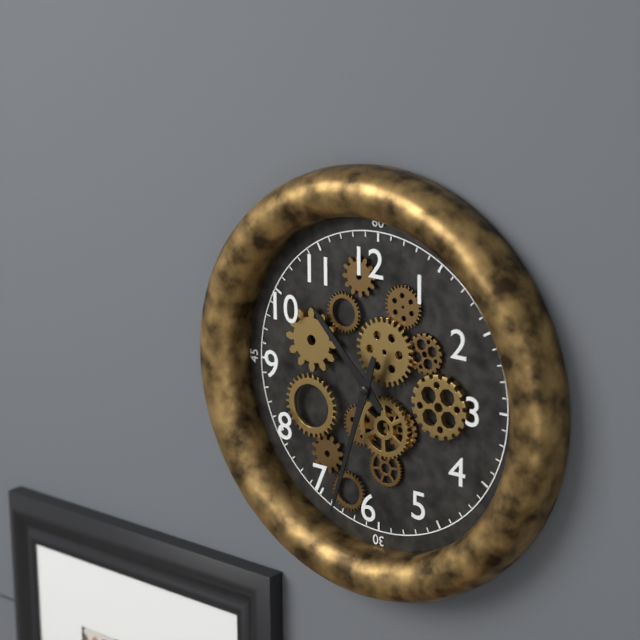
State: 10:33
